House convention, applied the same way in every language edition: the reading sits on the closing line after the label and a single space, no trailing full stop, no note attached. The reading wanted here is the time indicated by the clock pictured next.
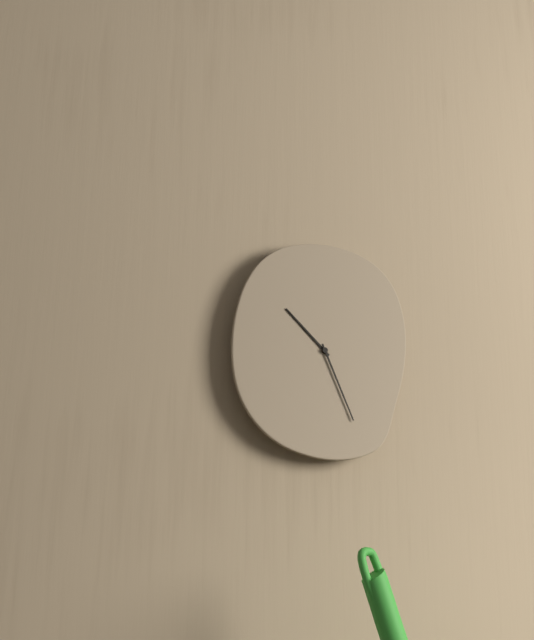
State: 10:26
